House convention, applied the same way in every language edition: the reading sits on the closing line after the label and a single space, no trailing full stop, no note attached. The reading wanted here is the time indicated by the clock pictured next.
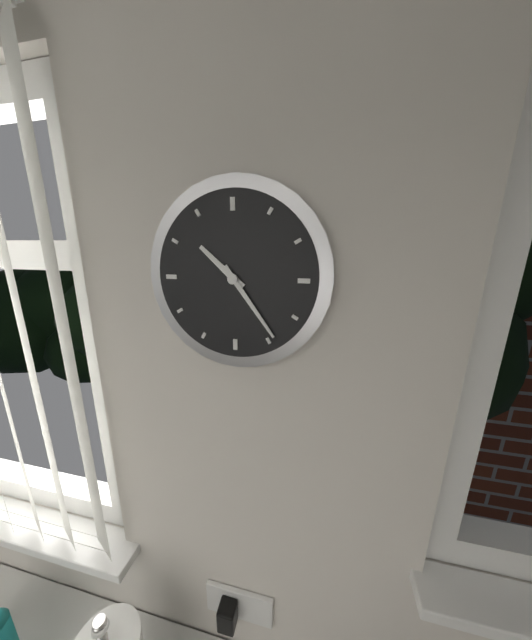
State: 10:24
